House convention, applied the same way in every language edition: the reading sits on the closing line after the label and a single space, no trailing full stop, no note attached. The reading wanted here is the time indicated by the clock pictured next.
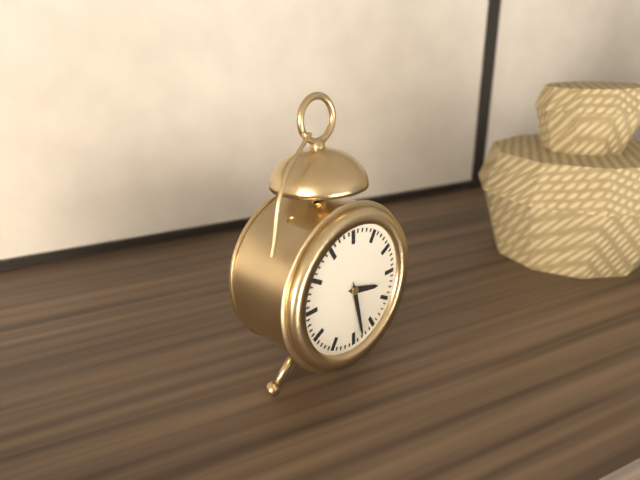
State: 3:28
